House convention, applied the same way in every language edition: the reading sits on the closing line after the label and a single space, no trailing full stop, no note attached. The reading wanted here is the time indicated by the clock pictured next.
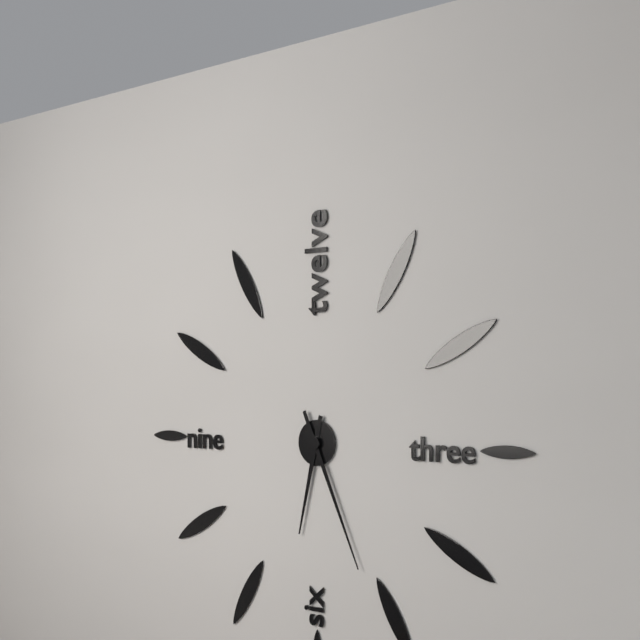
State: 6:26
